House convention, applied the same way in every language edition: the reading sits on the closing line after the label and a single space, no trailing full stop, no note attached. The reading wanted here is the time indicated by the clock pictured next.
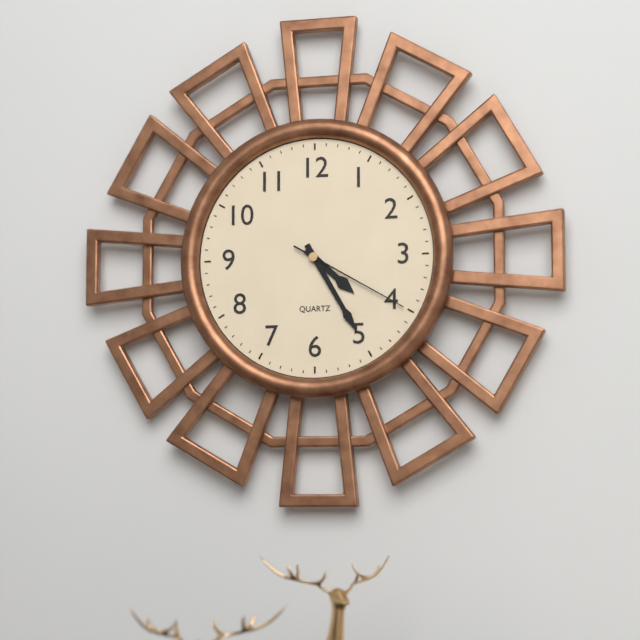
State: 4:25:20
